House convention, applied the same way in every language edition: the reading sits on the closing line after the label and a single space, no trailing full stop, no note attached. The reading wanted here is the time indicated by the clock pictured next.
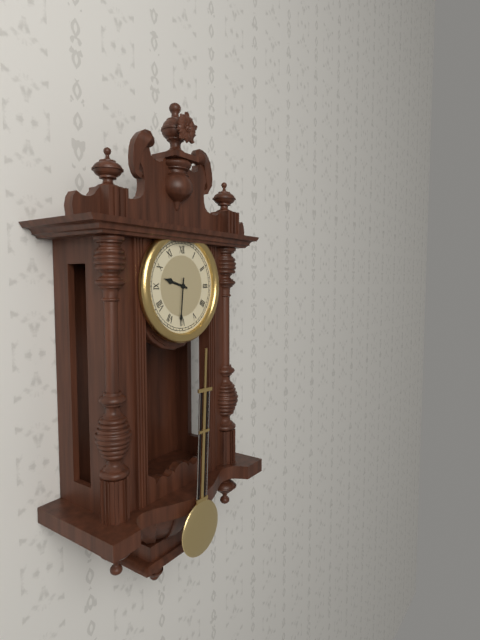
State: 9:31
